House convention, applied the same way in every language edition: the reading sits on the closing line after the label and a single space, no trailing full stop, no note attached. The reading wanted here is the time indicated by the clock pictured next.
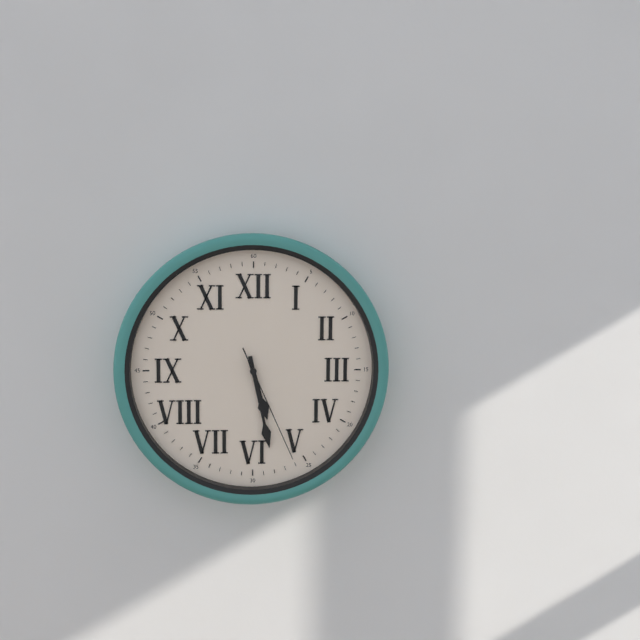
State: 5:28:26
